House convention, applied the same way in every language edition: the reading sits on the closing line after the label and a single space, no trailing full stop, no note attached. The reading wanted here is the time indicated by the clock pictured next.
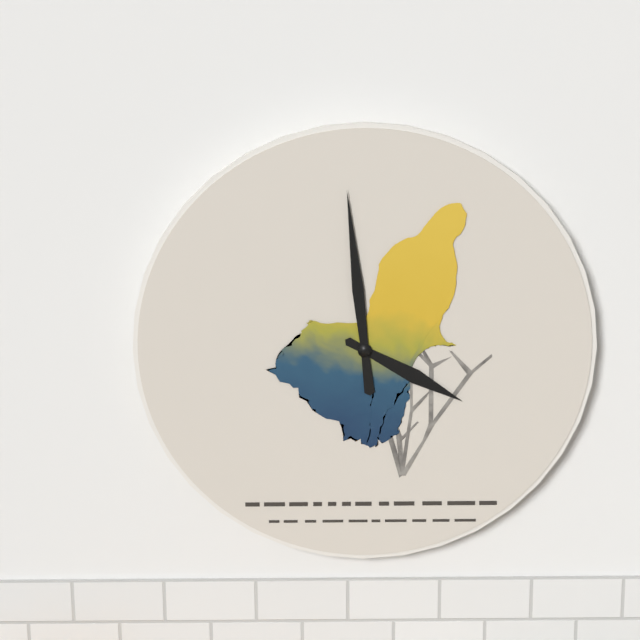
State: 3:59
